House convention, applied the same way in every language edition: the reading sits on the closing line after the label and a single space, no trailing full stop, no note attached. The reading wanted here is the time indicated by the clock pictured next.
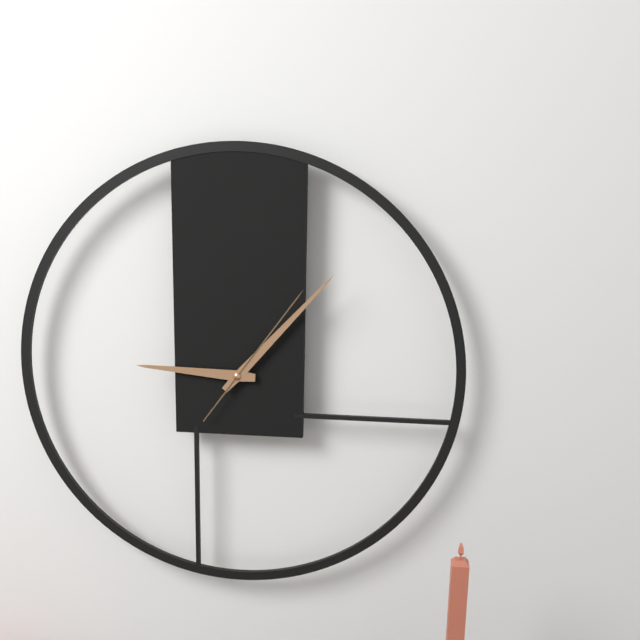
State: 9:07:06
